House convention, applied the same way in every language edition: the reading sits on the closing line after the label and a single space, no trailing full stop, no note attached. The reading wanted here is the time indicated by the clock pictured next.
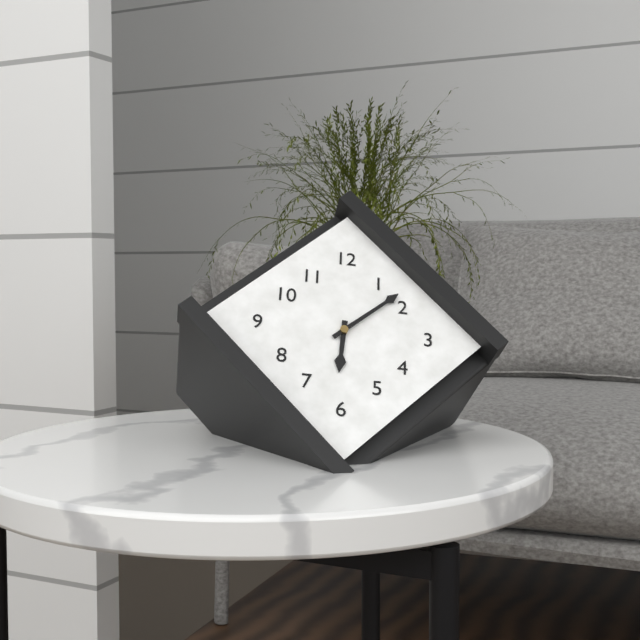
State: 6:08
